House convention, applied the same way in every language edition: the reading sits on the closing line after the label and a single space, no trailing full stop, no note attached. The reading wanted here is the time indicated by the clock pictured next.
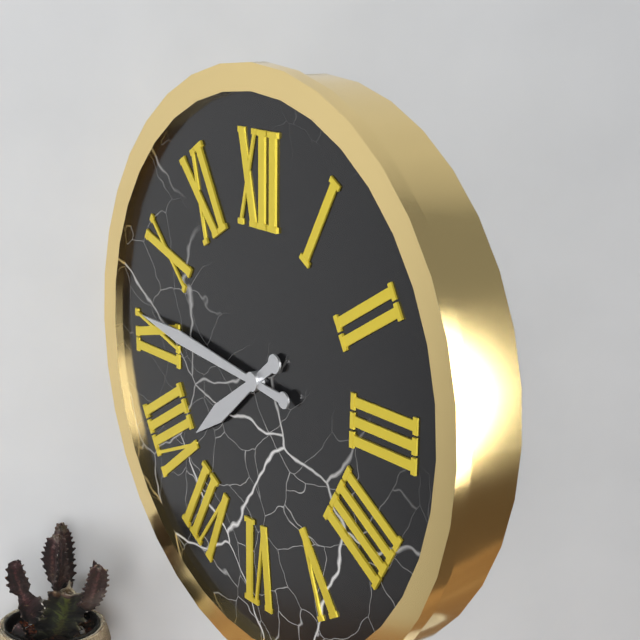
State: 7:46
